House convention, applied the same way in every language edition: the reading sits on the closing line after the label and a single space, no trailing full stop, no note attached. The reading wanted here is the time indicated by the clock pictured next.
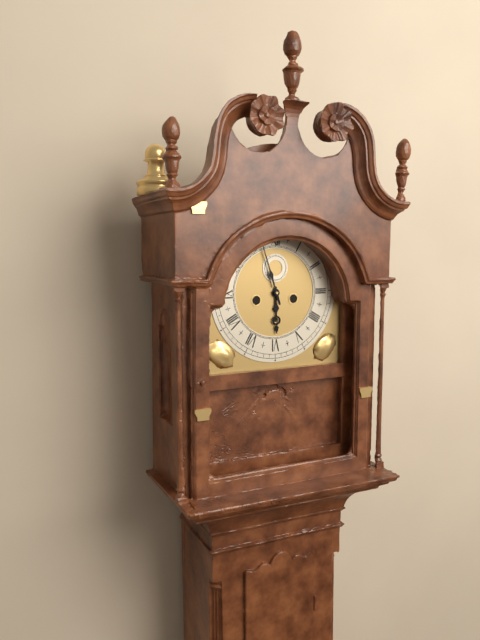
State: 5:57
